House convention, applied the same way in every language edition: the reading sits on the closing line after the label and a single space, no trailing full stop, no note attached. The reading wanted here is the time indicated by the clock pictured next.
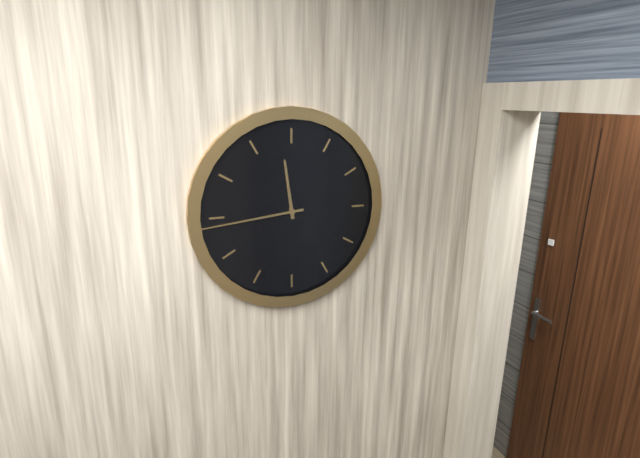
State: 11:44
